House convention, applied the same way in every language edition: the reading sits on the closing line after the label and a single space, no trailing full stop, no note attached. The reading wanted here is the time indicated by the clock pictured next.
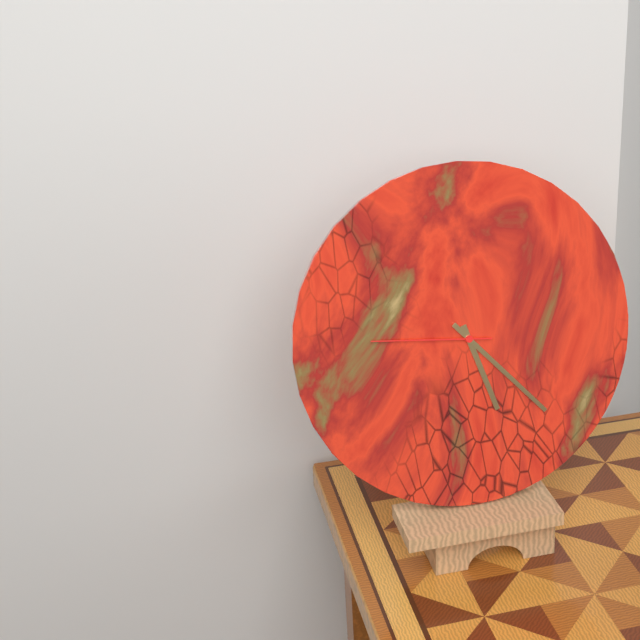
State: 5:23:46
